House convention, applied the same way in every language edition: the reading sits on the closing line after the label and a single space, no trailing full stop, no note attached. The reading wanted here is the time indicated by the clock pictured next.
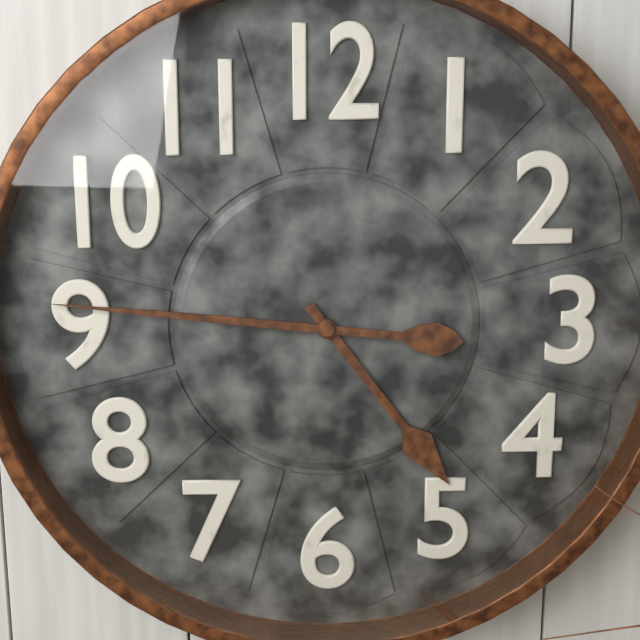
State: 4:46
